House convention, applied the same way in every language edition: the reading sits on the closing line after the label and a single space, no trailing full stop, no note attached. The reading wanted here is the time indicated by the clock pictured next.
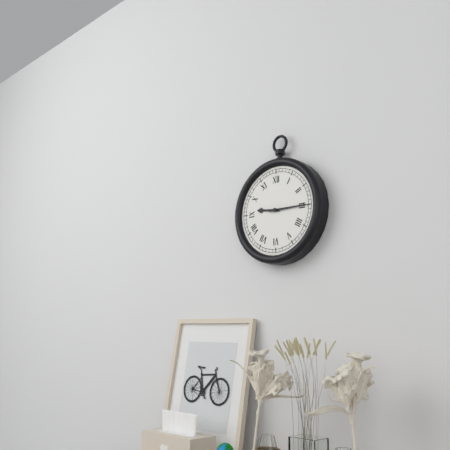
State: 9:15
